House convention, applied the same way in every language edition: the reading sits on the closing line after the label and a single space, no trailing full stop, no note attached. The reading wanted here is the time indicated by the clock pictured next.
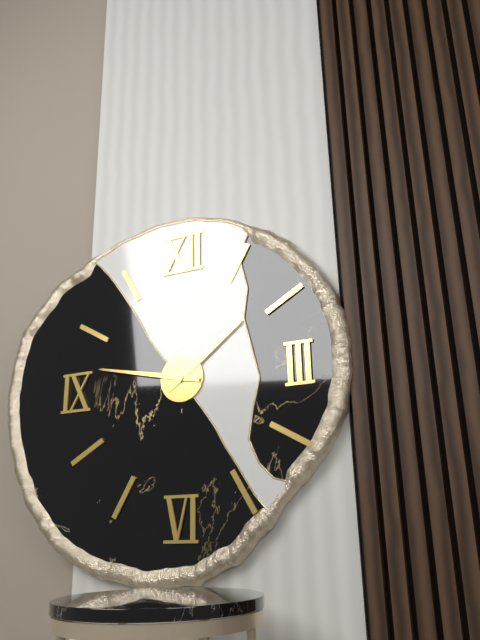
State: 1:47
